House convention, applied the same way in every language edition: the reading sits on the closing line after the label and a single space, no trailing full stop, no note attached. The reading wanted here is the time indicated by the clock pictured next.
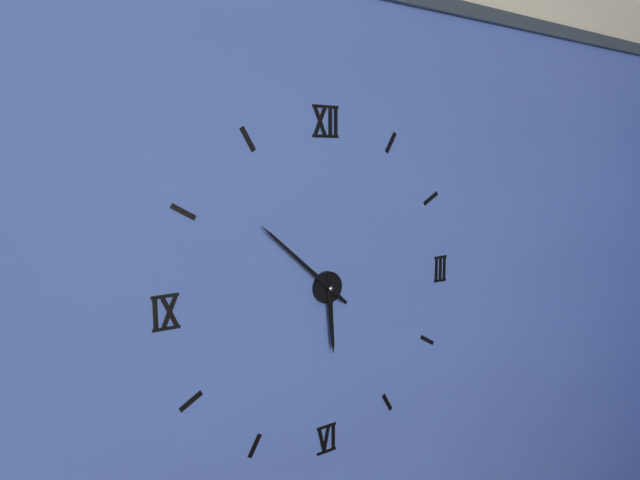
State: 5:52
